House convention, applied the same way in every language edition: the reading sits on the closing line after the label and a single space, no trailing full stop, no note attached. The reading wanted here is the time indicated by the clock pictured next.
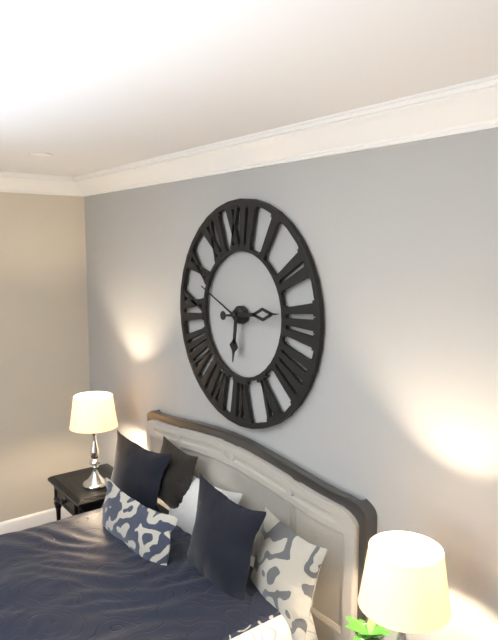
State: 6:14:49
